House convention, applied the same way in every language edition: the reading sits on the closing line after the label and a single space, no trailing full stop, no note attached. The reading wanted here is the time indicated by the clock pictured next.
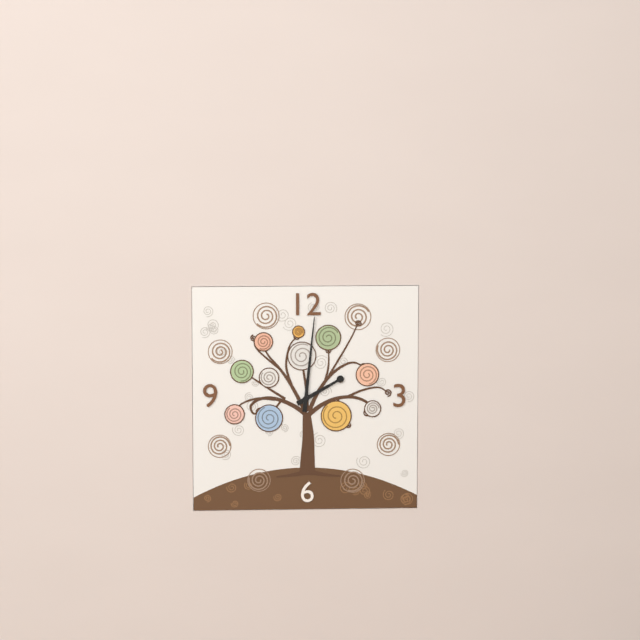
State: 2:01
